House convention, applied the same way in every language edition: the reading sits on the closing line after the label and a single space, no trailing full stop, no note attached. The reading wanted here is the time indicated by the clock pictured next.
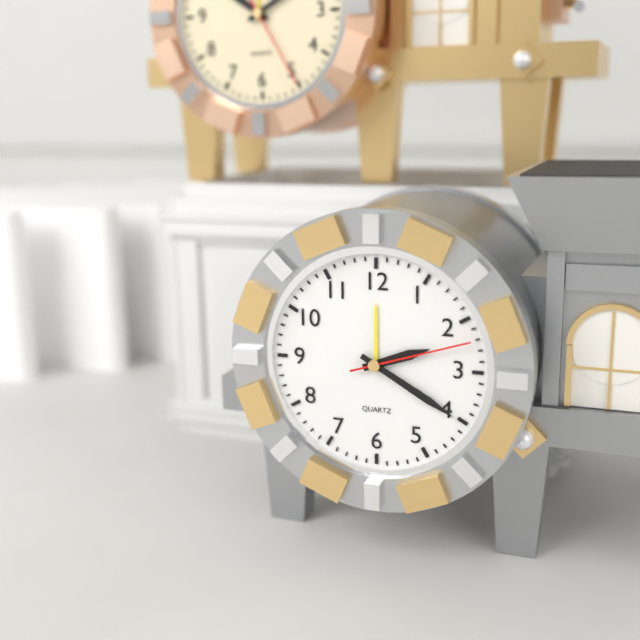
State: 2:20:12
